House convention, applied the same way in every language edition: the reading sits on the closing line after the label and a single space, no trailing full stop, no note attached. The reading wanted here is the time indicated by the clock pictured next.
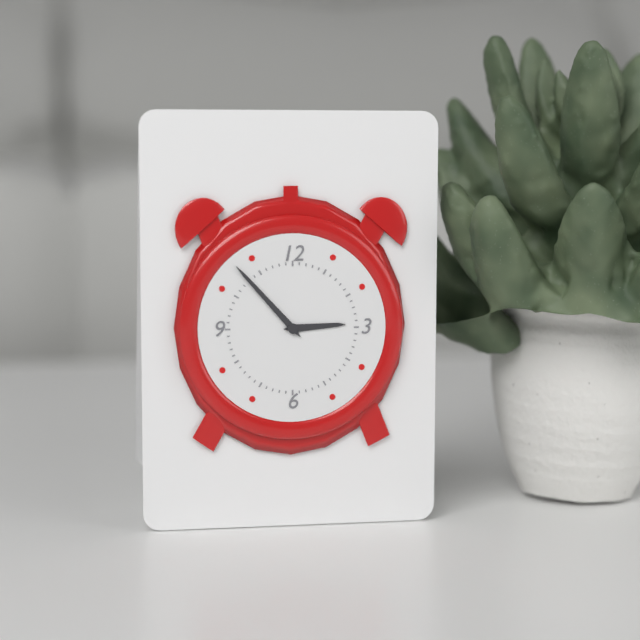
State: 2:53
